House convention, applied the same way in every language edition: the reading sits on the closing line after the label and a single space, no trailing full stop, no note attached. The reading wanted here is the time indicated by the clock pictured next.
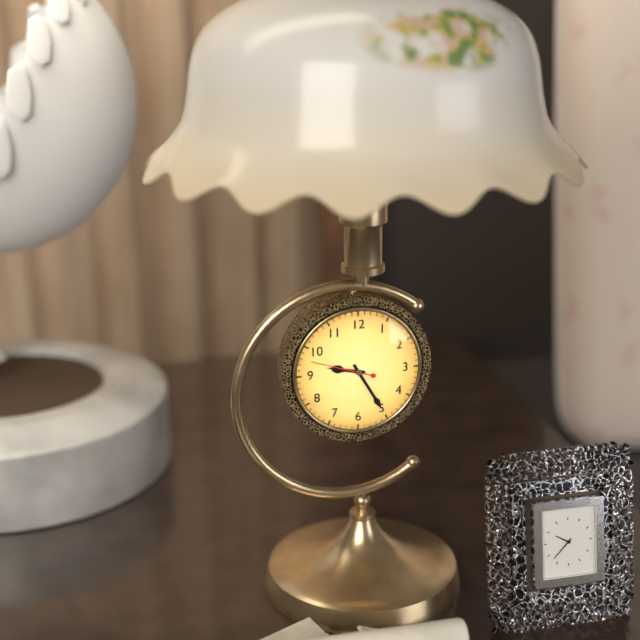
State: 9:25:48
